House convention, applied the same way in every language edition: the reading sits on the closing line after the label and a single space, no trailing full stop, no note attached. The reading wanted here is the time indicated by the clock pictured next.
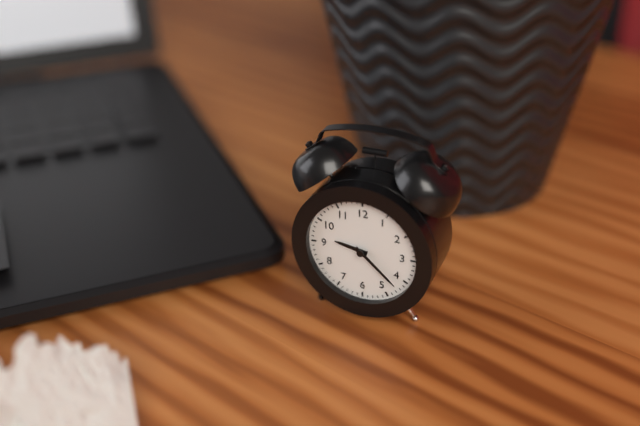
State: 9:22
